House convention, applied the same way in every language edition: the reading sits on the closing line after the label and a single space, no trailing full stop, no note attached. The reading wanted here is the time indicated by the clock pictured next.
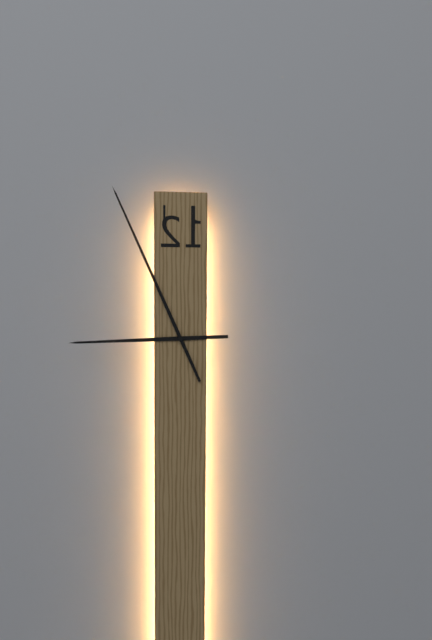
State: 8:56
